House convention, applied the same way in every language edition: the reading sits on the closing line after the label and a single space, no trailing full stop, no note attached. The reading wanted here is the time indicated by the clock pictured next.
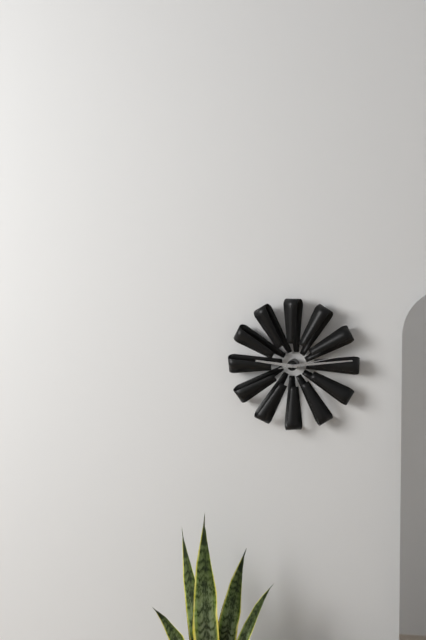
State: 9:14:13
